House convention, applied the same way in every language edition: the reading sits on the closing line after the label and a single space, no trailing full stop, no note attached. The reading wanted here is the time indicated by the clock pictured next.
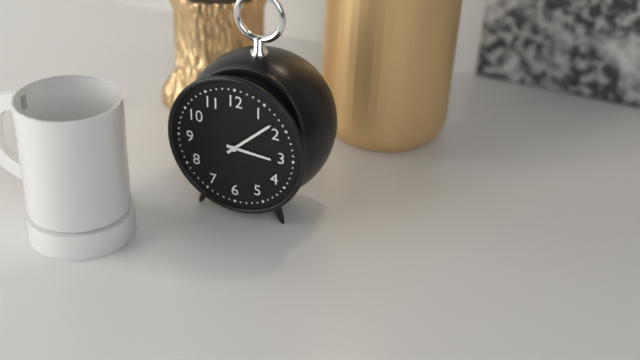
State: 3:08
